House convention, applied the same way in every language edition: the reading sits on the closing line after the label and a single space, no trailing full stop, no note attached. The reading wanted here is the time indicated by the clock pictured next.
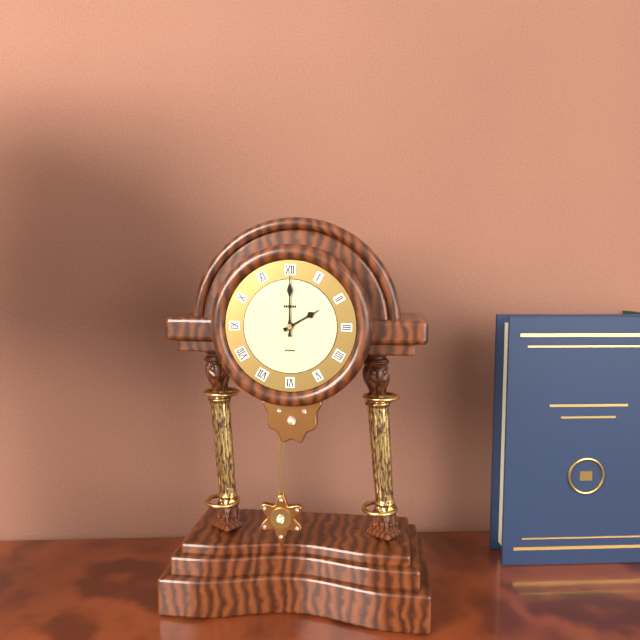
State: 2:00
